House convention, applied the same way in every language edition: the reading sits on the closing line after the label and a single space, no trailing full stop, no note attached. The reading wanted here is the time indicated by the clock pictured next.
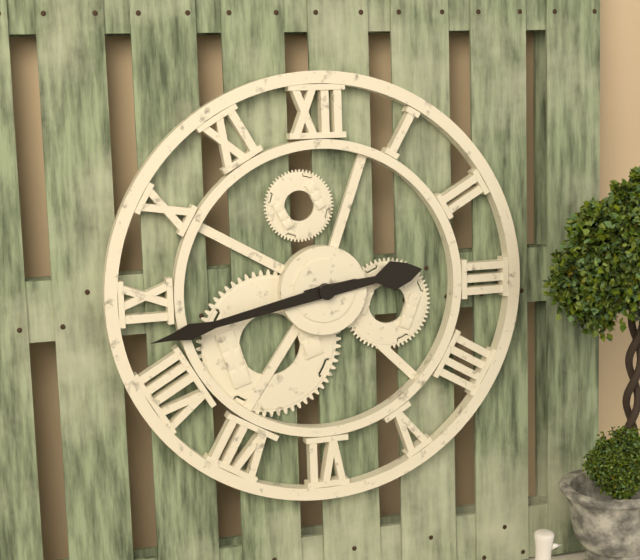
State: 2:43
